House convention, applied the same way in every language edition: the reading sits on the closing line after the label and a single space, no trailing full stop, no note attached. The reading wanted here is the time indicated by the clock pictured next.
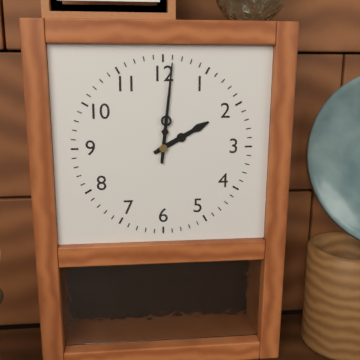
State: 2:01
